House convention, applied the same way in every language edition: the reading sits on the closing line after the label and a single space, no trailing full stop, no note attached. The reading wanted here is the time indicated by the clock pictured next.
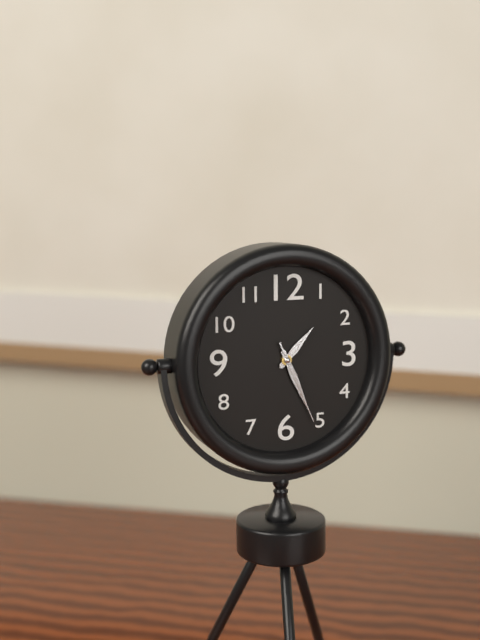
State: 1:26:26
